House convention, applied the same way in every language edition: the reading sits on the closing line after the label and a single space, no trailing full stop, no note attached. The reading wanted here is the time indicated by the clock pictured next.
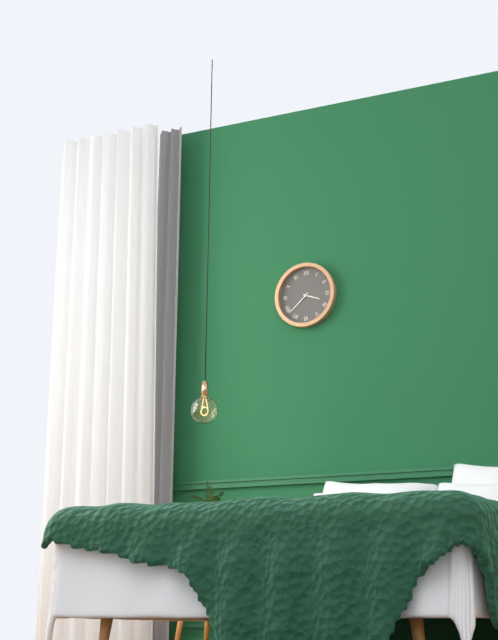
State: 3:38
